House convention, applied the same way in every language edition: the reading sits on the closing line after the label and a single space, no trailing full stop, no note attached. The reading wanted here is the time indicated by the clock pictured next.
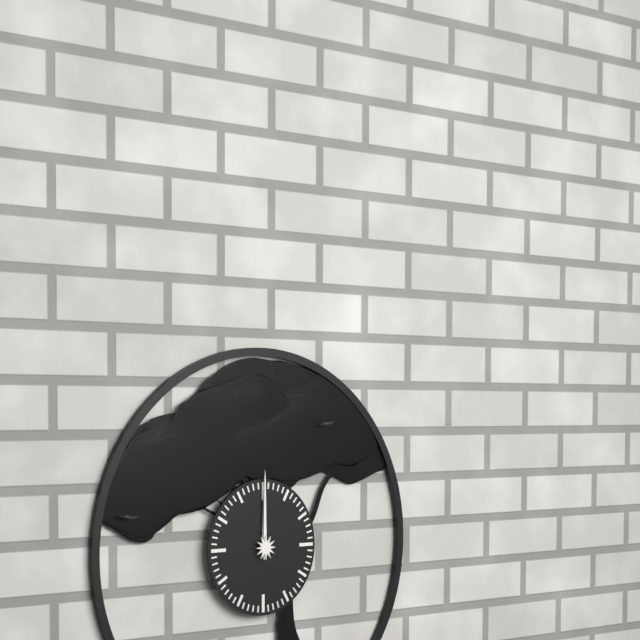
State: 12:00
